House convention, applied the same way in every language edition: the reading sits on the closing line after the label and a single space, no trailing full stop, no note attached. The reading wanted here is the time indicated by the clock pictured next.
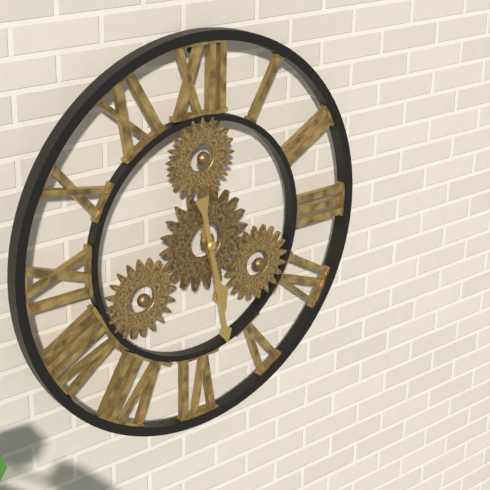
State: 5:28
